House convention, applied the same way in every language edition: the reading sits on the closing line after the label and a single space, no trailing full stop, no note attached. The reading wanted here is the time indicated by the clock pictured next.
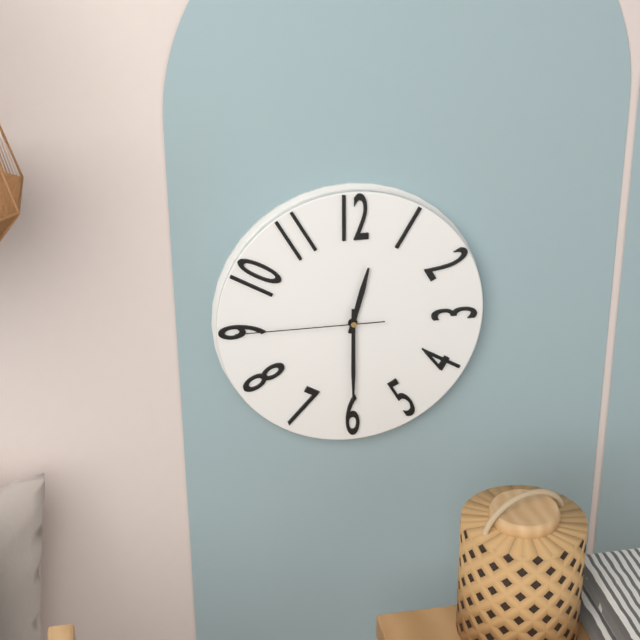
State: 12:30:45
